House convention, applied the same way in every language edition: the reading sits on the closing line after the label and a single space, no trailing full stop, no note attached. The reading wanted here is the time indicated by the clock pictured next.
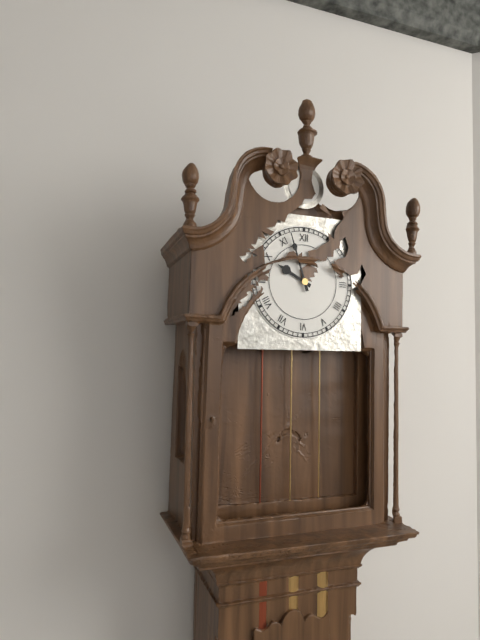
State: 9:57
